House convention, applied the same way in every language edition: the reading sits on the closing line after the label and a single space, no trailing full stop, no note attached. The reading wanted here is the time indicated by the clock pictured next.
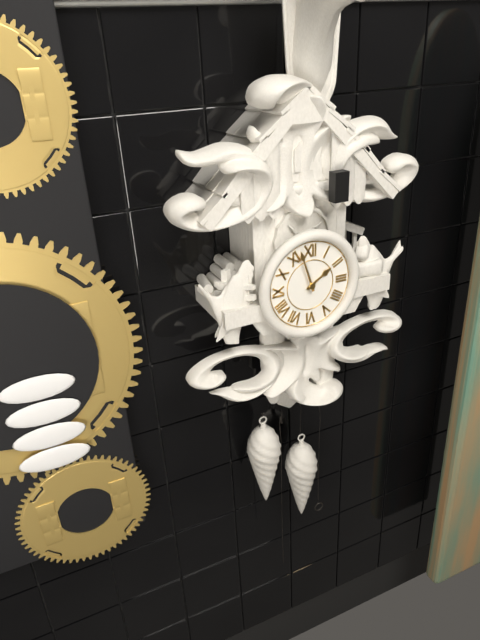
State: 1:57
